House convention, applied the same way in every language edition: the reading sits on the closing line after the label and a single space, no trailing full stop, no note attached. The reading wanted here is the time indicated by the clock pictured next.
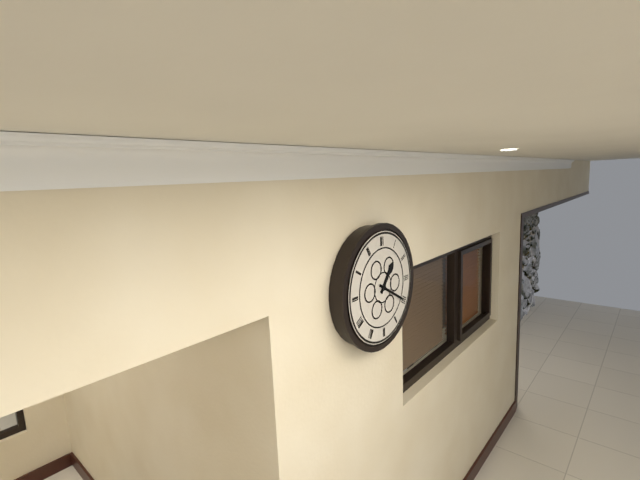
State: 1:20
